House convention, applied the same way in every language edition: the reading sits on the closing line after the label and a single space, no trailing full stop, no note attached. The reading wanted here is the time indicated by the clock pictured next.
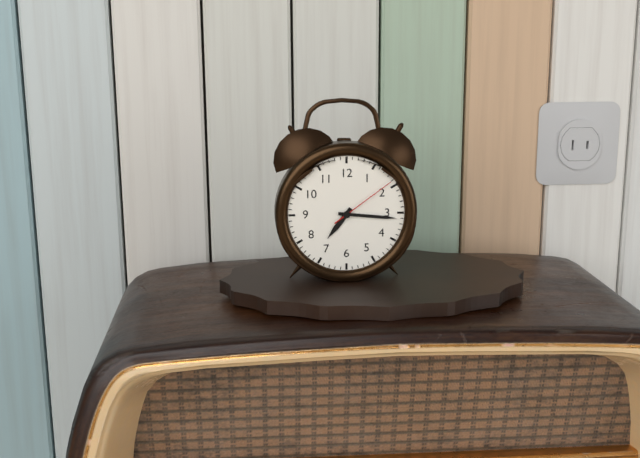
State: 7:16:09
